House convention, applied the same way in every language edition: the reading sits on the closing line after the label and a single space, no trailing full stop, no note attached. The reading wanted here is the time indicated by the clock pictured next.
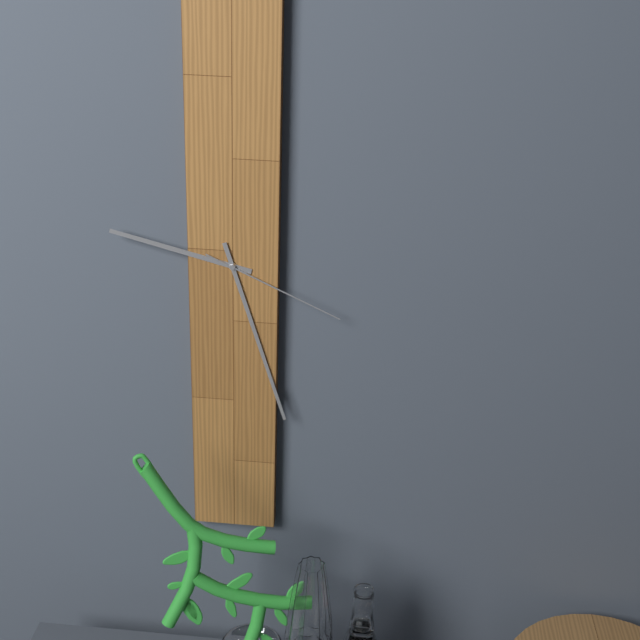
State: 9:27:19
